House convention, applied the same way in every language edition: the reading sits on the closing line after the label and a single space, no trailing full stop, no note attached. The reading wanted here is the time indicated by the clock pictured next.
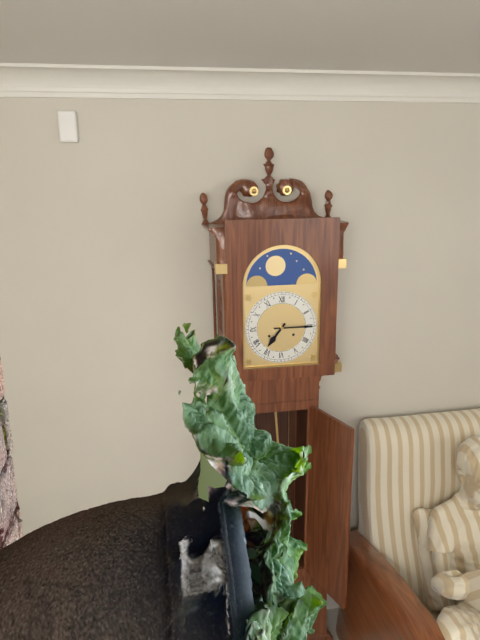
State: 7:15
